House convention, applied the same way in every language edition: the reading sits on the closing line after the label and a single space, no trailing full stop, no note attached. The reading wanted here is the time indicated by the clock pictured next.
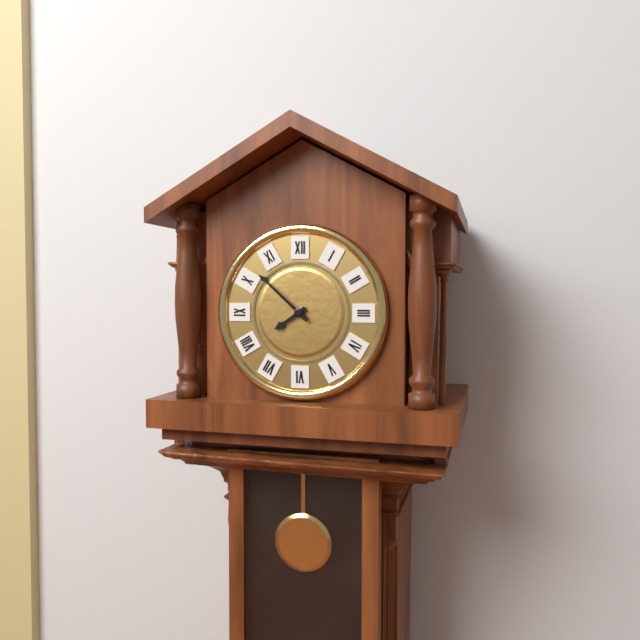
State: 7:52
